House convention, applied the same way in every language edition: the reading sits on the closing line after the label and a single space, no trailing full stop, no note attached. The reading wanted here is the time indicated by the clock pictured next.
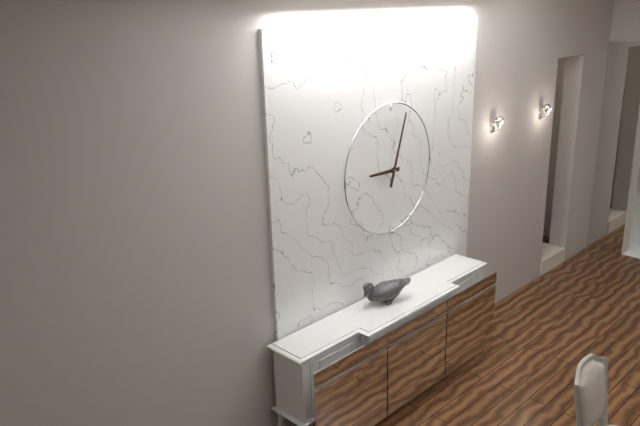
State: 9:03
